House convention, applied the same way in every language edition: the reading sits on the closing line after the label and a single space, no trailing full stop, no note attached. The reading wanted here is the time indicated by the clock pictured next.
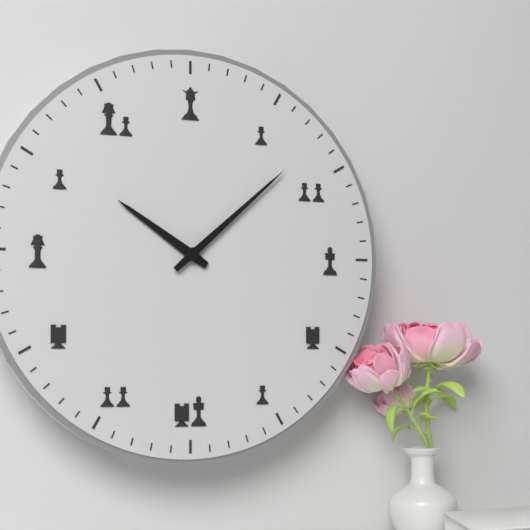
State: 10:08
